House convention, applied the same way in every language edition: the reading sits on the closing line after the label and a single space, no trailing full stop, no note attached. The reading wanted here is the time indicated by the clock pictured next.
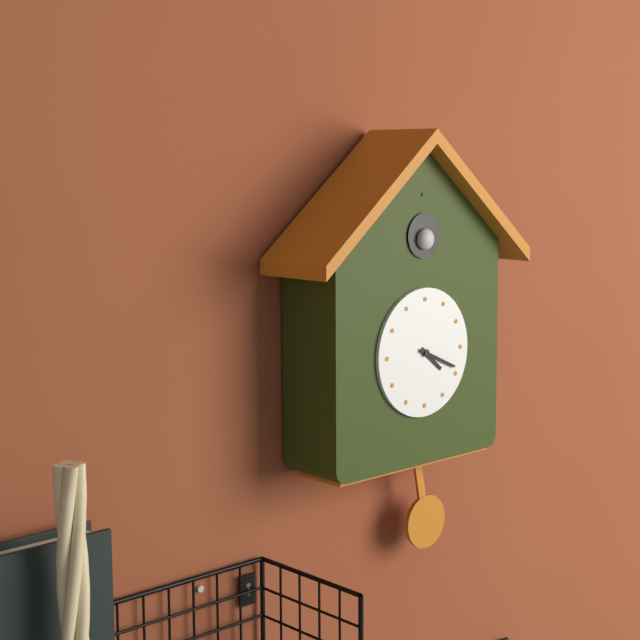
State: 4:19
